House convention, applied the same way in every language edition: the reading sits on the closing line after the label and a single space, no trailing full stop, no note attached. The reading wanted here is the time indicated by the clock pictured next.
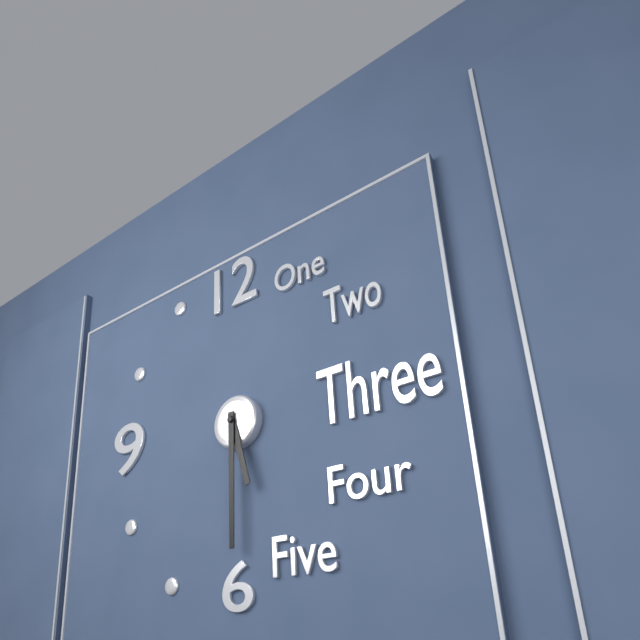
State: 5:30
